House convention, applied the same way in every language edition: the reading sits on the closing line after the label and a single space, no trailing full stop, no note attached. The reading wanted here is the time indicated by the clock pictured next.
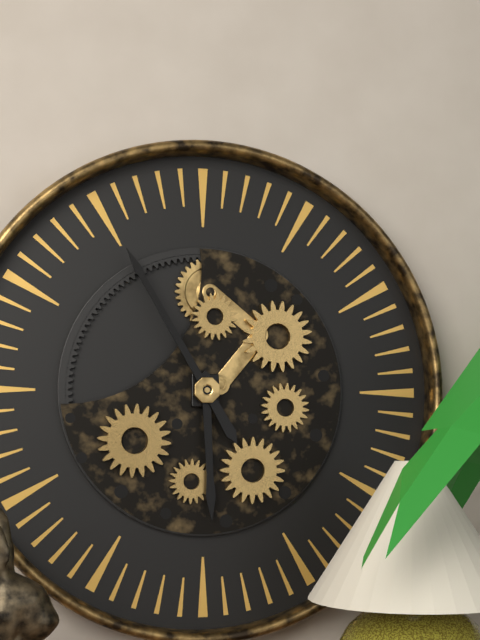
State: 5:55
